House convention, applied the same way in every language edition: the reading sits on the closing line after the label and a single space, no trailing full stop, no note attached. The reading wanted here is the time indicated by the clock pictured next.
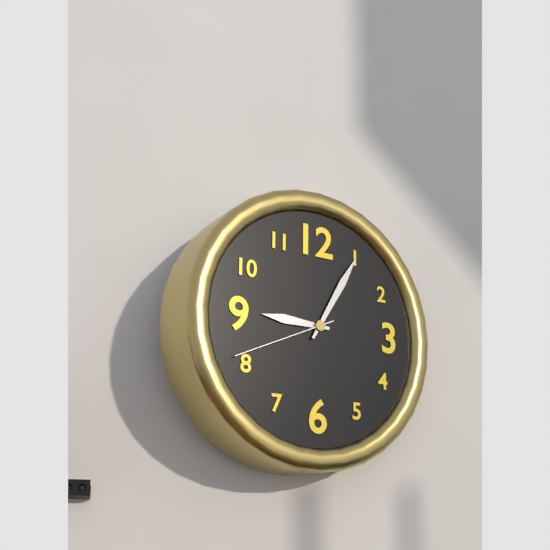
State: 9:05:41
